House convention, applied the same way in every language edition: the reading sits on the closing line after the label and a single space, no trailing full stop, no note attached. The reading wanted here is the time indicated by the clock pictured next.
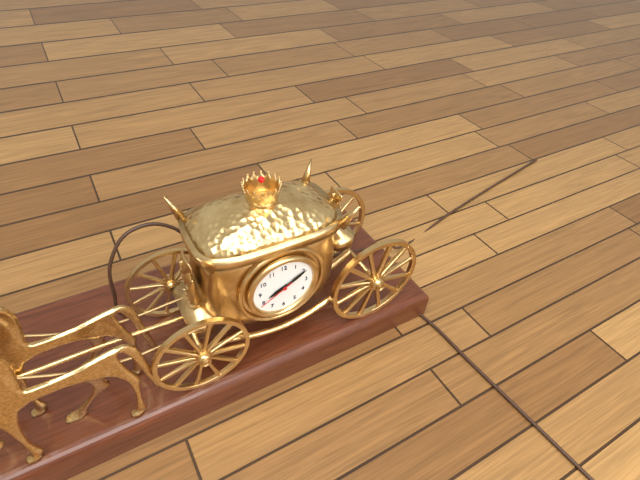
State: 8:10
